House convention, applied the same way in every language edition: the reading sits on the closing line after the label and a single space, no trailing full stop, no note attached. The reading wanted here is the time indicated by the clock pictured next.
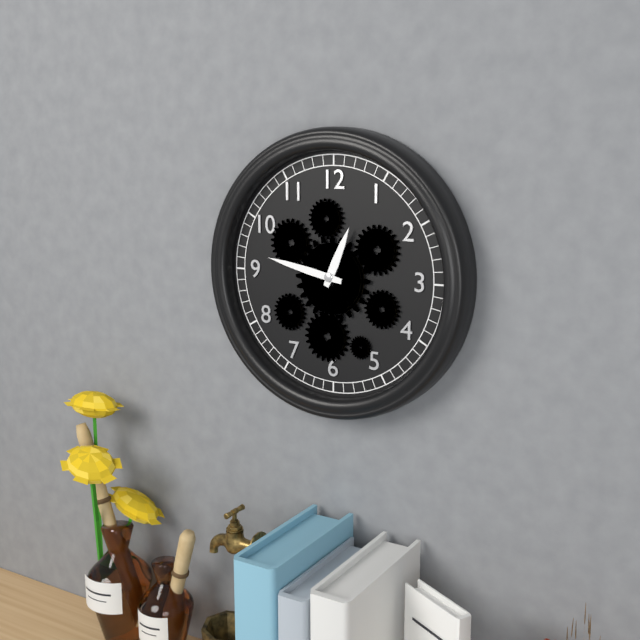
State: 12:47
